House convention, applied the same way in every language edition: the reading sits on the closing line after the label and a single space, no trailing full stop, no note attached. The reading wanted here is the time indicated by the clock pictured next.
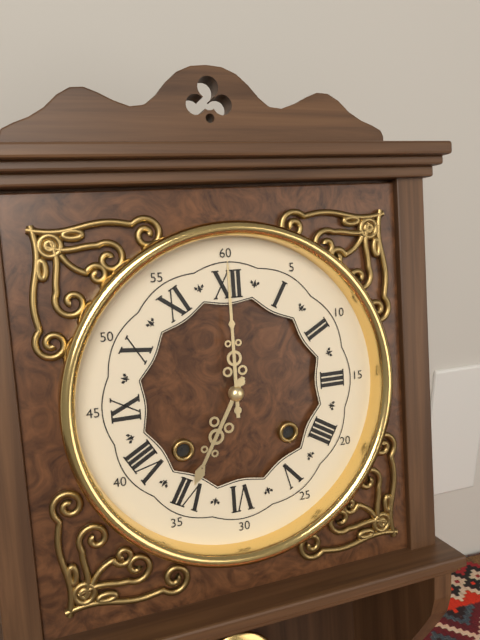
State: 7:00
